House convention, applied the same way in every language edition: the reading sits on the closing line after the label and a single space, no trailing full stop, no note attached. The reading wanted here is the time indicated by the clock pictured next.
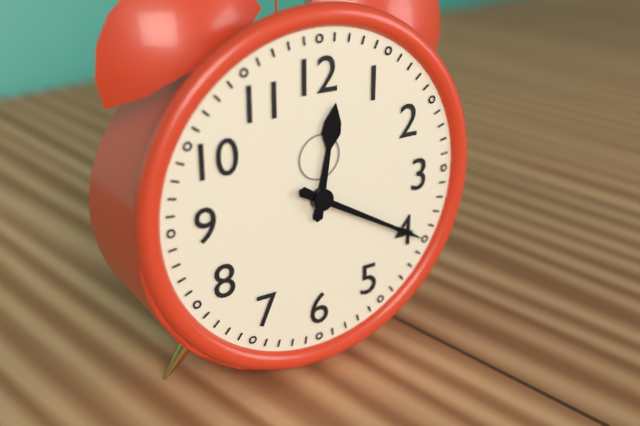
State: 12:20
